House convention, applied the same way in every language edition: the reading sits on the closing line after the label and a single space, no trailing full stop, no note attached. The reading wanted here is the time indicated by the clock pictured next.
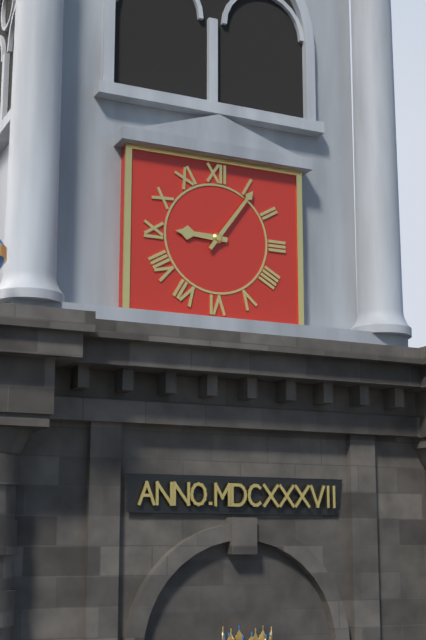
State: 9:06
